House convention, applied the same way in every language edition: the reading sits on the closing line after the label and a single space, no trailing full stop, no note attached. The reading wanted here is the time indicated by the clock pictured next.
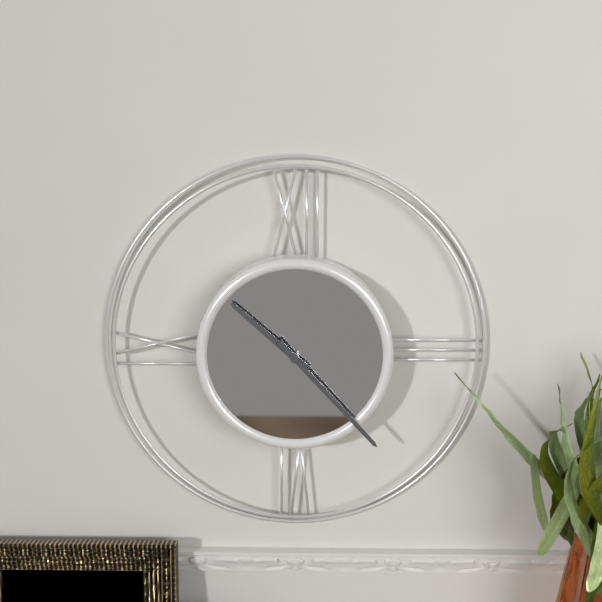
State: 10:23
